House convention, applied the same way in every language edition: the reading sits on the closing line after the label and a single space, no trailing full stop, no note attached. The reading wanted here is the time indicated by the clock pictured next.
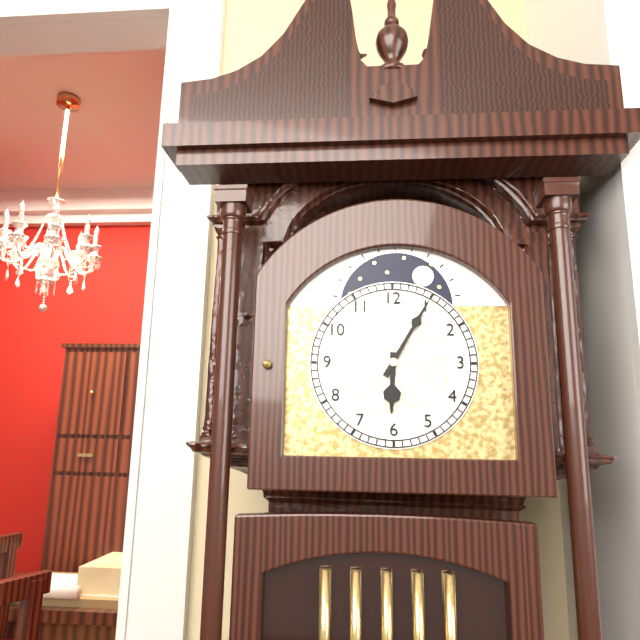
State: 6:05
